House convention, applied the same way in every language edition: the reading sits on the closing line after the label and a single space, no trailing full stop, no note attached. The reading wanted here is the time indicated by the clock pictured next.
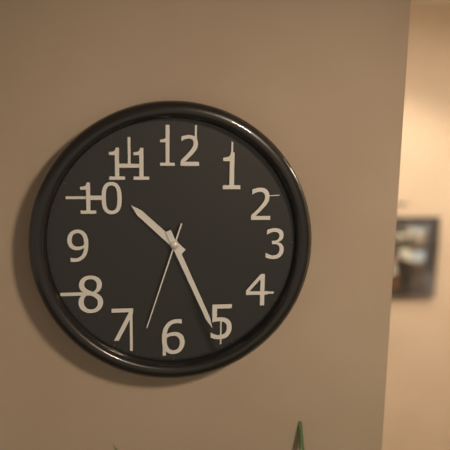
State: 10:26:33
